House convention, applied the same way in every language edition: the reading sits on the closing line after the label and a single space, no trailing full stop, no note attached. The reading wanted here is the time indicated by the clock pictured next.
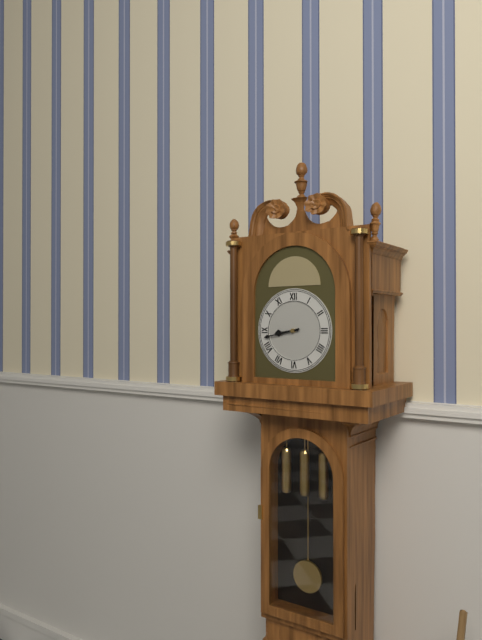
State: 8:43
